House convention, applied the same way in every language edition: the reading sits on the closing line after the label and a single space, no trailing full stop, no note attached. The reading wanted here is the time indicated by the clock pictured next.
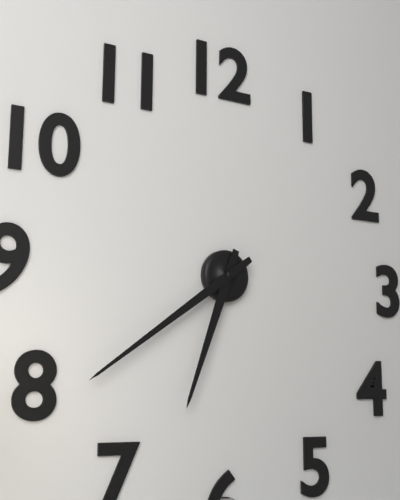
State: 6:39
